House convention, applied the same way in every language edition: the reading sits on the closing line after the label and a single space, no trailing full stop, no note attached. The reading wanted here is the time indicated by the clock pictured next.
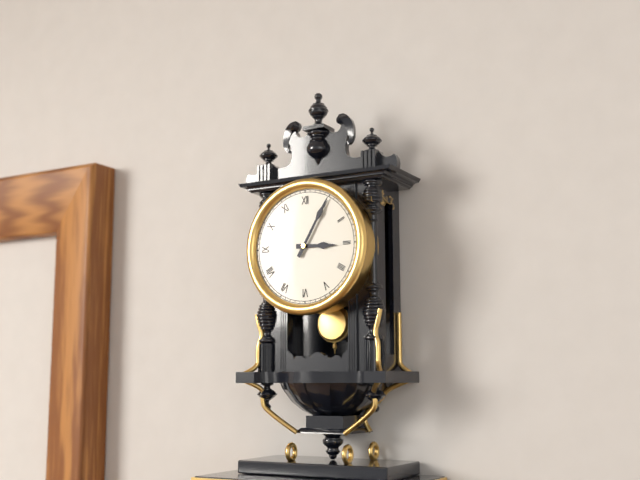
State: 3:05
